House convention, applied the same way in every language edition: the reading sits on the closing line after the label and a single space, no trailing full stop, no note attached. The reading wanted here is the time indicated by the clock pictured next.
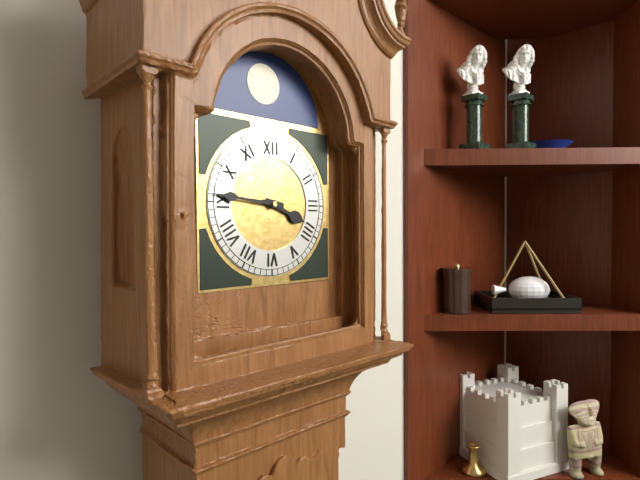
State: 3:46
